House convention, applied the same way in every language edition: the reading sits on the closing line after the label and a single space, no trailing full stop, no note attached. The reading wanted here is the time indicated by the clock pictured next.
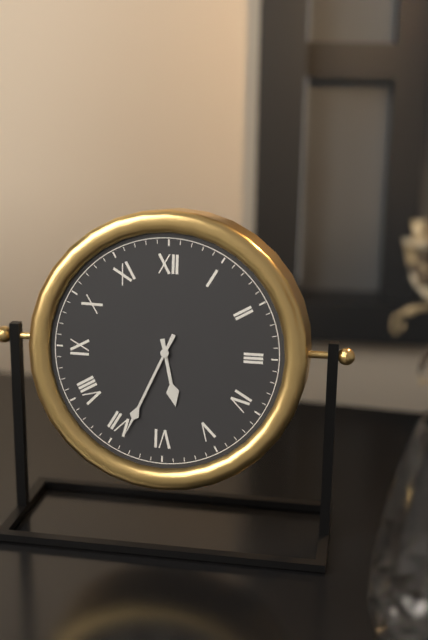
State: 5:34
